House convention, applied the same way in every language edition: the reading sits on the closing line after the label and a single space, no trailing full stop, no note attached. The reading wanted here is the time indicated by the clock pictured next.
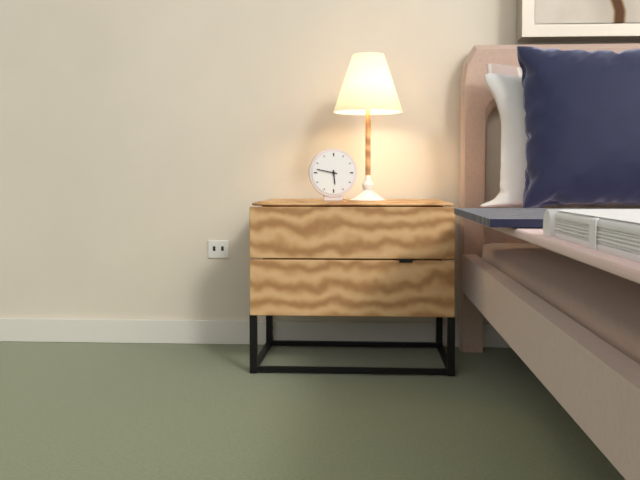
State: 5:47
